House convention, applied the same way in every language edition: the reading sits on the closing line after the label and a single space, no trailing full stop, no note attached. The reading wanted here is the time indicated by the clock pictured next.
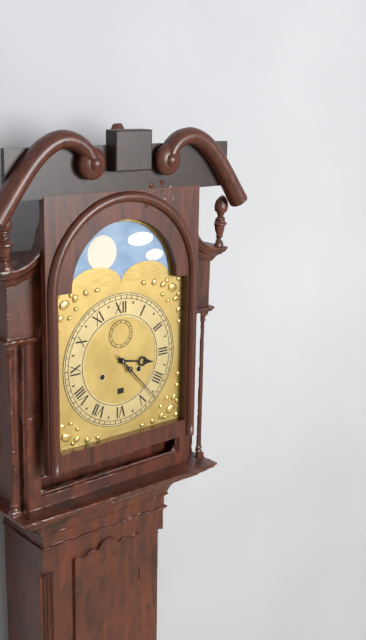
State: 3:23
